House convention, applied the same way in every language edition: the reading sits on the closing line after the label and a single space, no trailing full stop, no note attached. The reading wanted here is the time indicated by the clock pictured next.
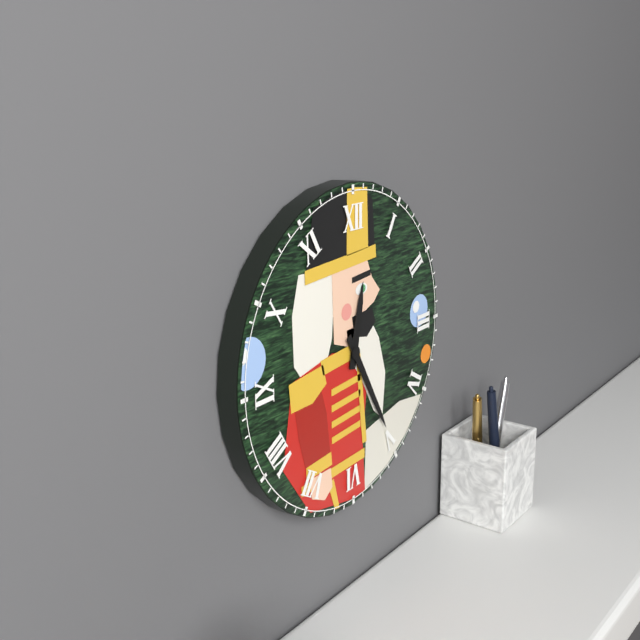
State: 12:25
